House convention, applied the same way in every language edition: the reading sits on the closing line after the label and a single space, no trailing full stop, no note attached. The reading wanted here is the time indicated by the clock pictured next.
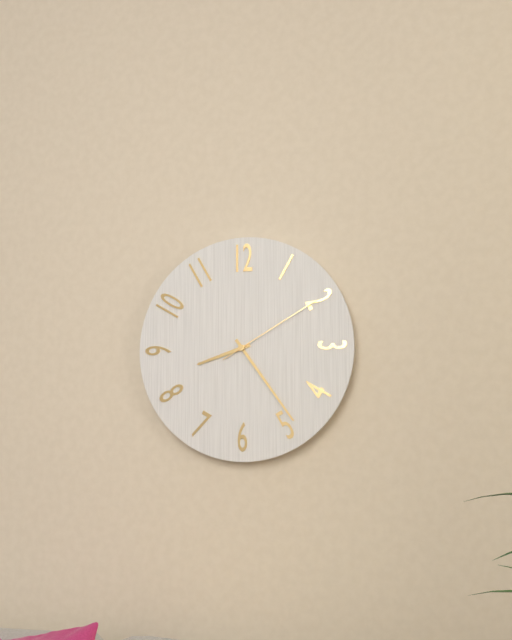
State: 8:24:10
